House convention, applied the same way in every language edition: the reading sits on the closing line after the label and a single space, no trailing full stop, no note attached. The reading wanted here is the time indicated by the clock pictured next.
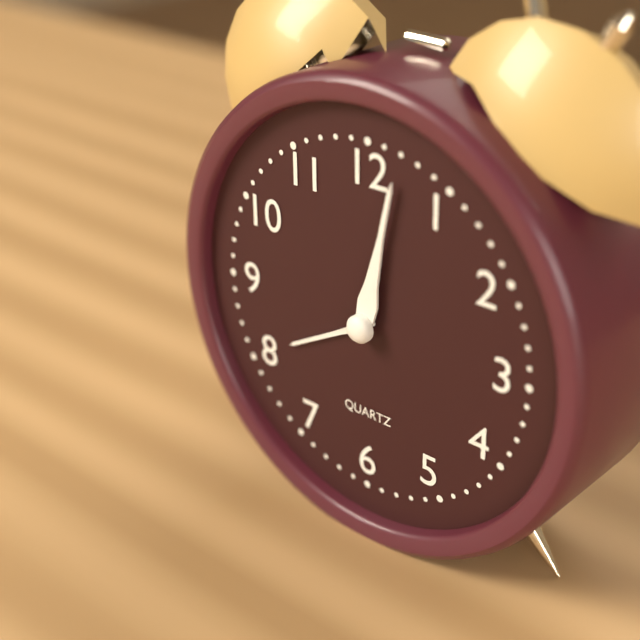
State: 8:02
